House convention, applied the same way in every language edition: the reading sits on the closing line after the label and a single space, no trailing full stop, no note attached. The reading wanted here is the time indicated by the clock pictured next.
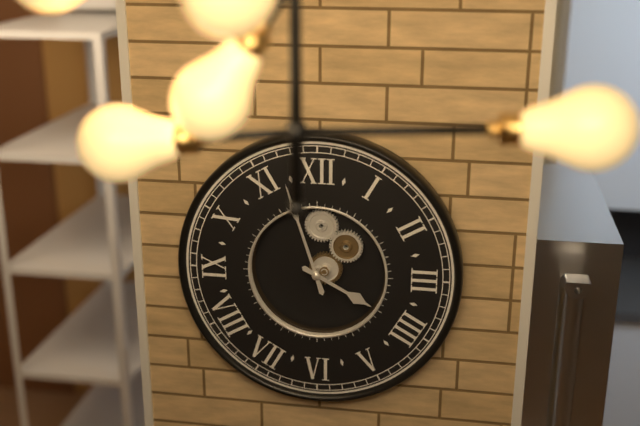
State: 3:57
